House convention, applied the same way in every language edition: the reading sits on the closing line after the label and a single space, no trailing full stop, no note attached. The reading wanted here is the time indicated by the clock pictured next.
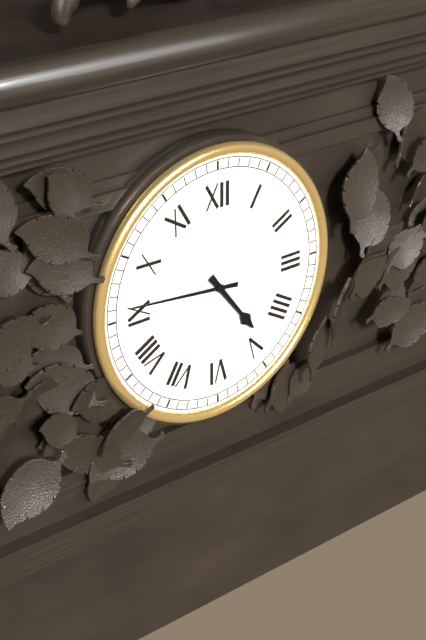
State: 4:46
